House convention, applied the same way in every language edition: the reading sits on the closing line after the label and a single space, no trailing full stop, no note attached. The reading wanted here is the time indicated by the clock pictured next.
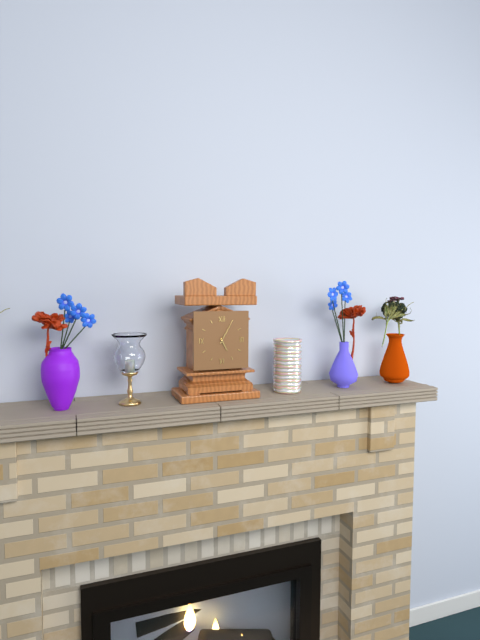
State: 5:05
